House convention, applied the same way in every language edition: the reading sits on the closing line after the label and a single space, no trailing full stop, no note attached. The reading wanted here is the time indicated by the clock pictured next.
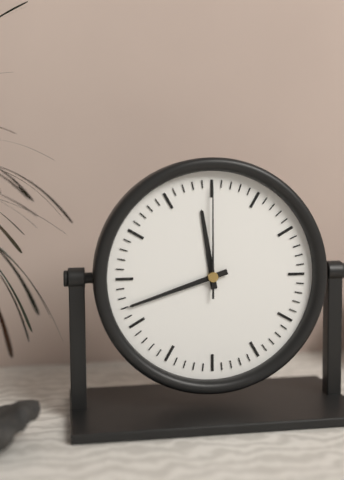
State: 11:42:00
